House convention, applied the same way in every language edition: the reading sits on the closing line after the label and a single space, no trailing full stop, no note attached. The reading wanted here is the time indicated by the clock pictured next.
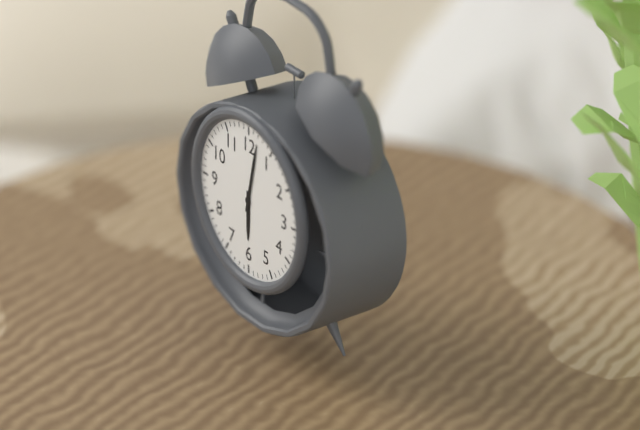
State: 6:02
